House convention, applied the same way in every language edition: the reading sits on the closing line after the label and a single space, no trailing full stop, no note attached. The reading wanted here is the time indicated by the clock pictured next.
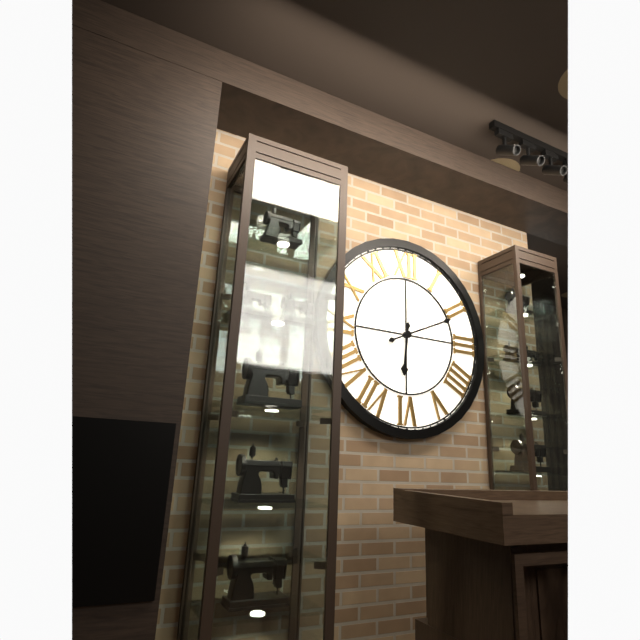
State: 6:11
